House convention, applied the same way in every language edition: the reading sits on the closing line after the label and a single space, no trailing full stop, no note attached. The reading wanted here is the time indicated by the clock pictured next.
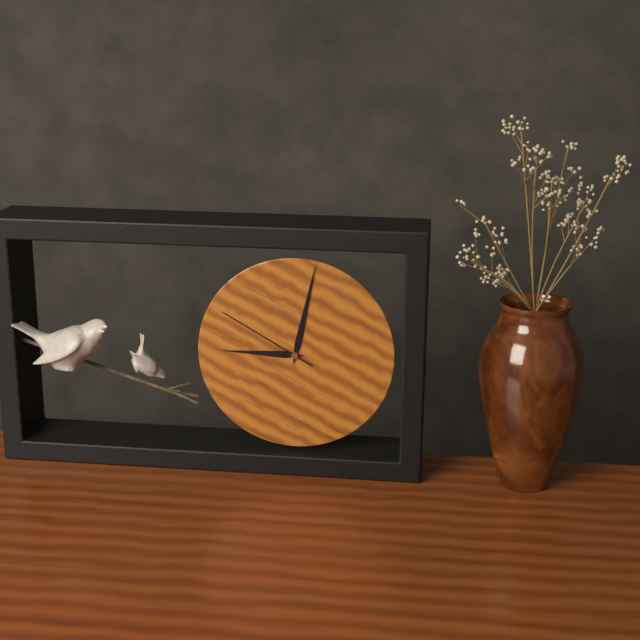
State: 9:02:50
